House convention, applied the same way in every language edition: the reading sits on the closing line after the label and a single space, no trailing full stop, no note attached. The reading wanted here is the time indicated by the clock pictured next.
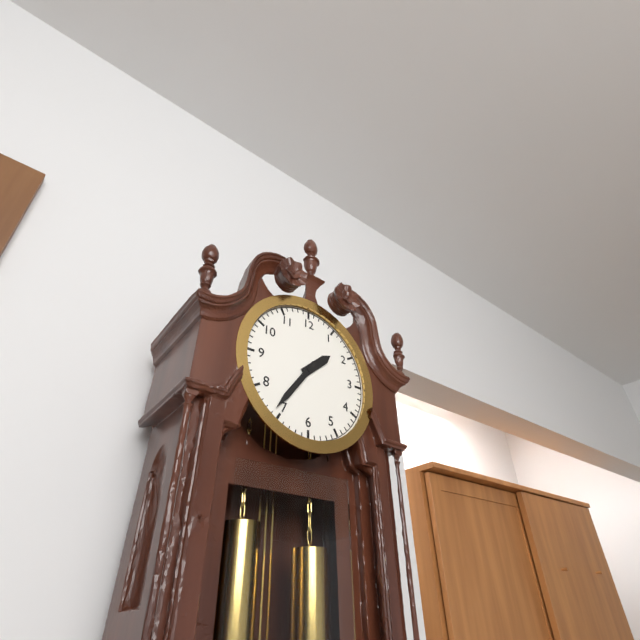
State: 1:36
